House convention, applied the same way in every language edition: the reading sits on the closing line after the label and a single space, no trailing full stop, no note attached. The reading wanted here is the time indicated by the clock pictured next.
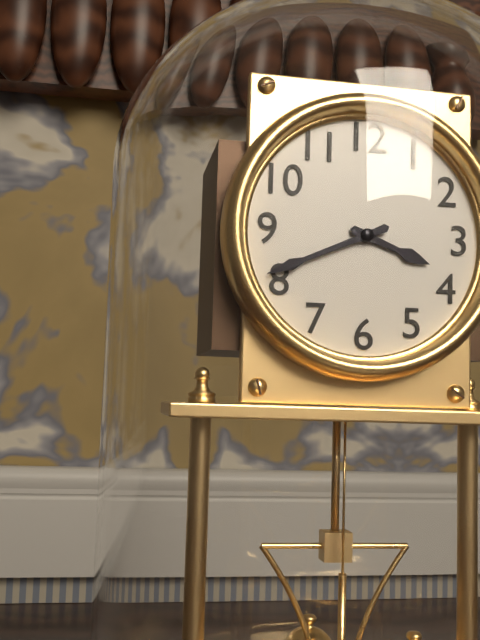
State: 3:41
